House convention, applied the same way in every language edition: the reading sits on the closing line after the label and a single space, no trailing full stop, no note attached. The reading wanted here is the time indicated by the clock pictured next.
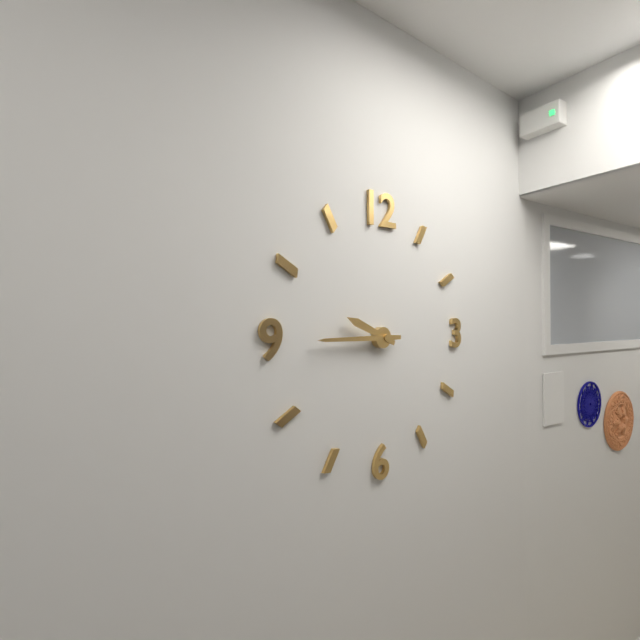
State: 9:45
